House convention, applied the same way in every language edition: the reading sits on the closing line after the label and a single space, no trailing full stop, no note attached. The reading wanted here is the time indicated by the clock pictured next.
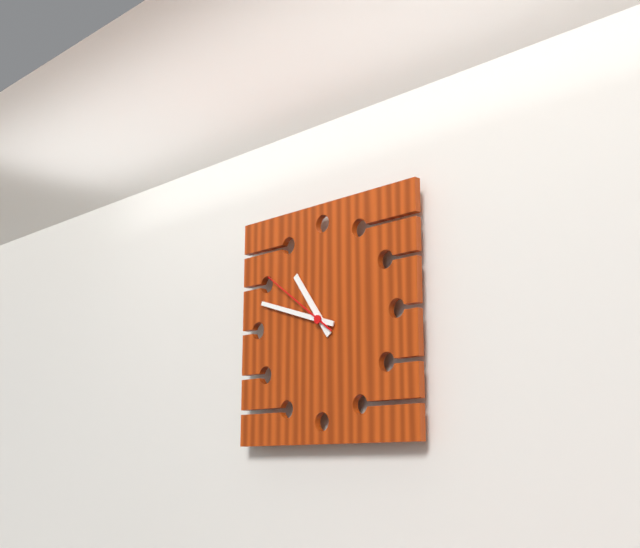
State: 10:48:51
